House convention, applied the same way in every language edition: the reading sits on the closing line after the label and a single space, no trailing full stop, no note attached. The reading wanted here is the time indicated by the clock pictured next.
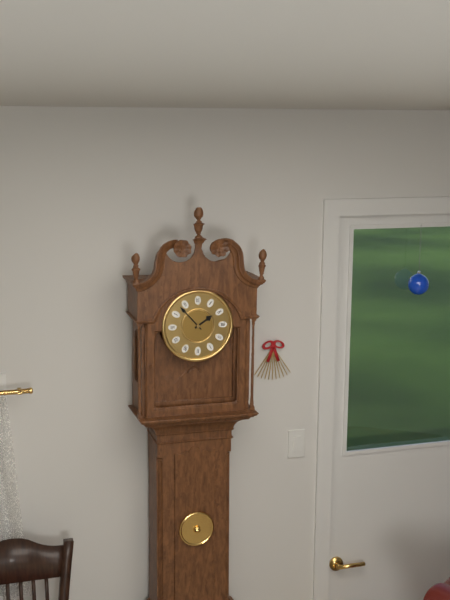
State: 1:53
